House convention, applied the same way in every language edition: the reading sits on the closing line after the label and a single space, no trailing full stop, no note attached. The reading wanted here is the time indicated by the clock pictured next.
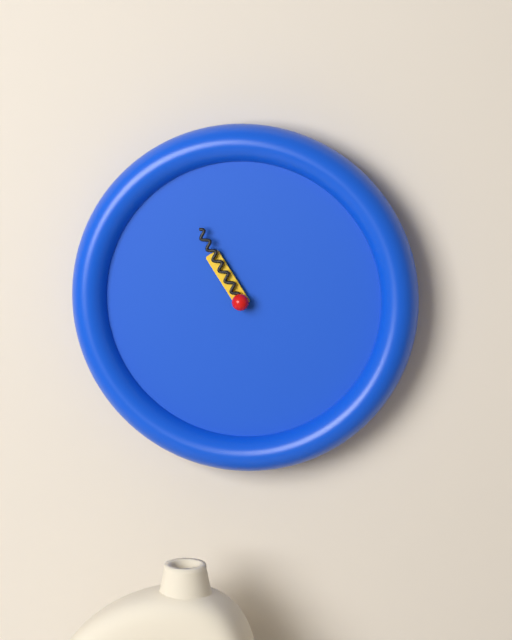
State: 10:55
